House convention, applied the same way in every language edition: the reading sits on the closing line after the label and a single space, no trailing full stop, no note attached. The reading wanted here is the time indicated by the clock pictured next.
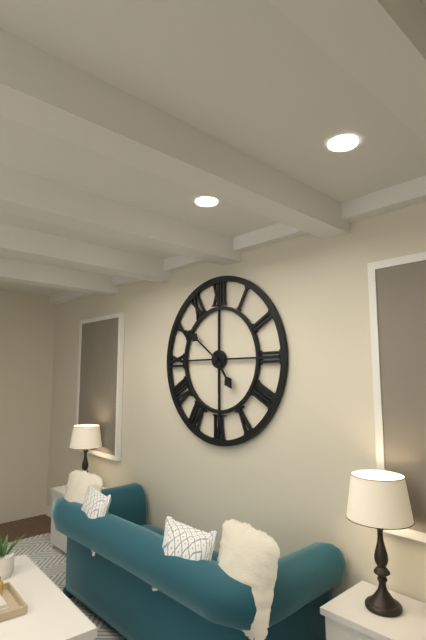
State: 4:51
